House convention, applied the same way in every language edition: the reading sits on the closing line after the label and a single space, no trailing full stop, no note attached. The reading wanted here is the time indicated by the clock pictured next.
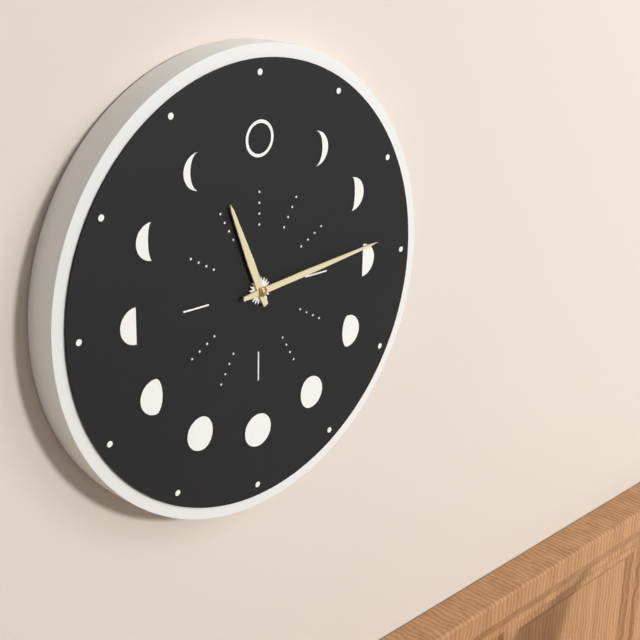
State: 11:14
